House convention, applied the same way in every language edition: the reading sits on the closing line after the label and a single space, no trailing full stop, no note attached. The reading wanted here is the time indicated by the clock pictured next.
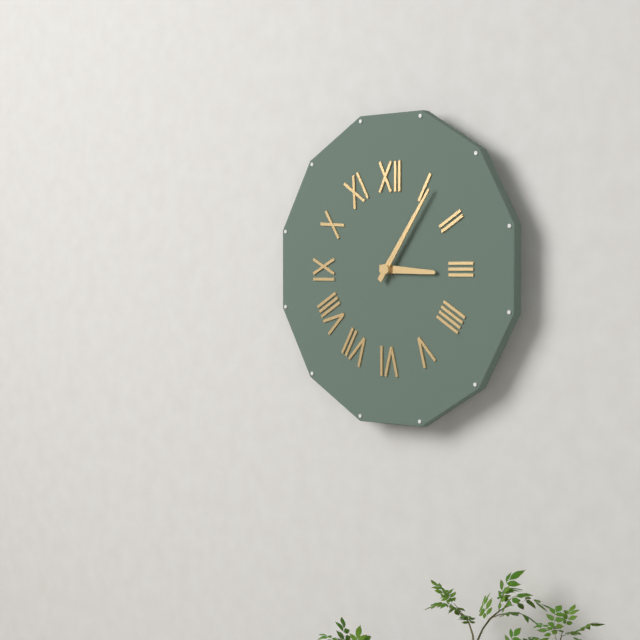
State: 3:06
